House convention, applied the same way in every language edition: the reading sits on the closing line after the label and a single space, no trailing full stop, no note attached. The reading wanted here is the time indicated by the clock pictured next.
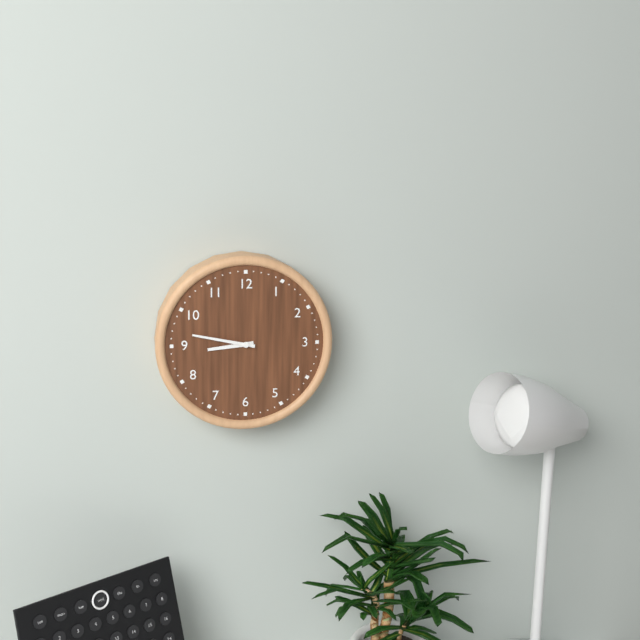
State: 8:47
